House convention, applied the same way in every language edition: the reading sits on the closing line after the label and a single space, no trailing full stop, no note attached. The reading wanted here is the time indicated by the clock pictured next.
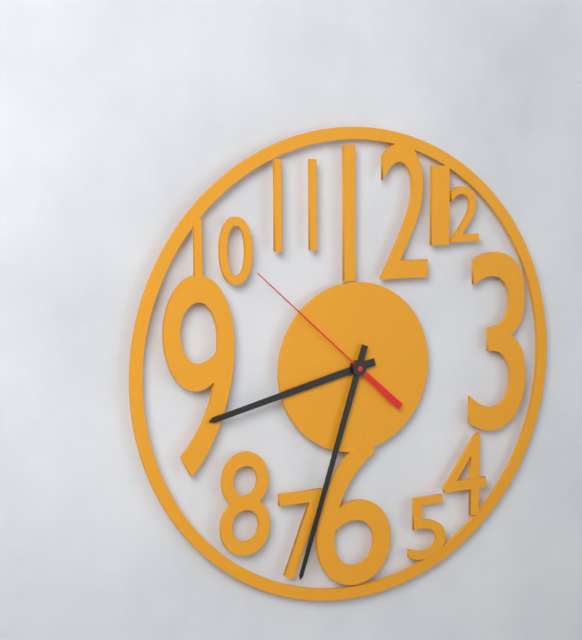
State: 8:33:52
